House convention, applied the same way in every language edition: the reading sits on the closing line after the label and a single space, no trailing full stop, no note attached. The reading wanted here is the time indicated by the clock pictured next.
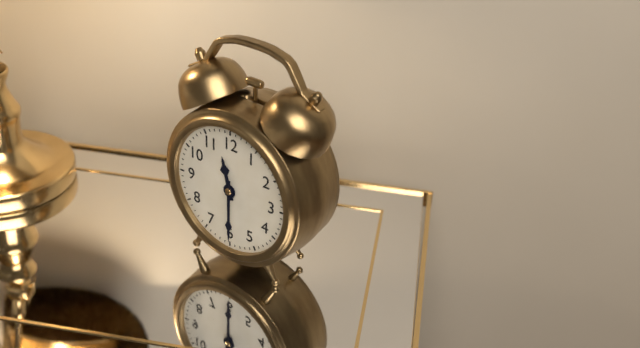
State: 11:30
